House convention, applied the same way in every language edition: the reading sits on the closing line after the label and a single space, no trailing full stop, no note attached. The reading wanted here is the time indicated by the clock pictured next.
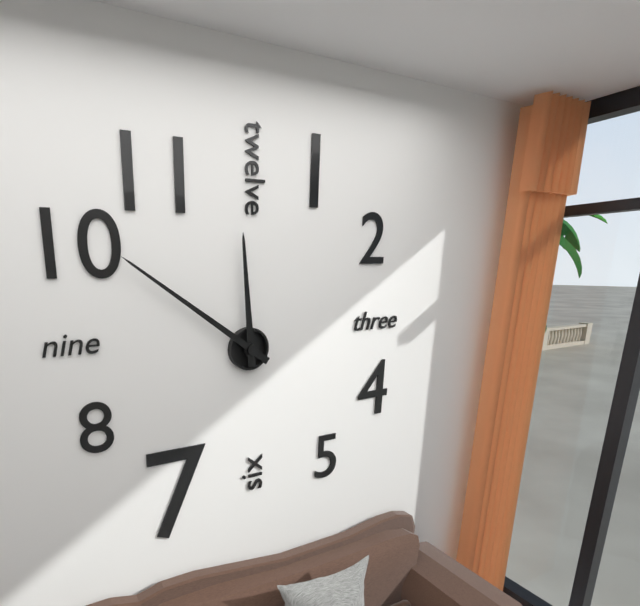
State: 11:51
